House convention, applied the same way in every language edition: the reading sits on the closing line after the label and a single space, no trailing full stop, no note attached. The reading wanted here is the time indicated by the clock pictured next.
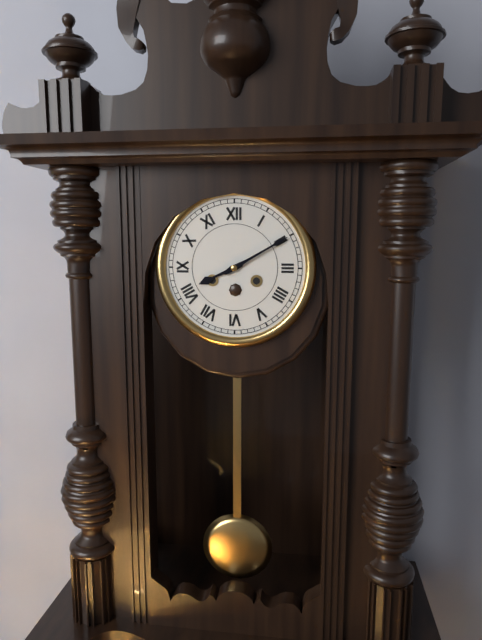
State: 8:10
